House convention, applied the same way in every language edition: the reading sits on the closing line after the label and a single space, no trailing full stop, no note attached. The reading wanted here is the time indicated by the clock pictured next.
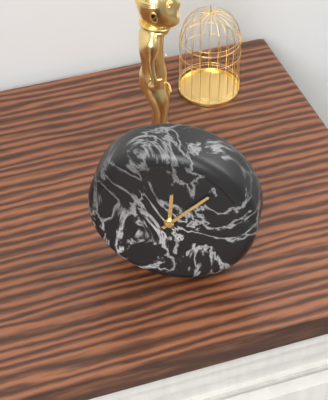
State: 12:07
